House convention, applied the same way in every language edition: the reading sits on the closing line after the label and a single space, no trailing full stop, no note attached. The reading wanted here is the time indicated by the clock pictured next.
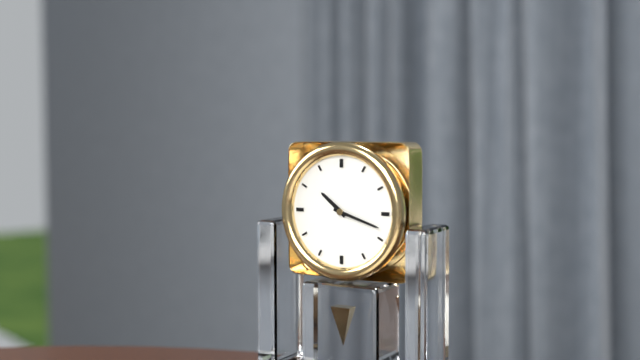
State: 10:18
